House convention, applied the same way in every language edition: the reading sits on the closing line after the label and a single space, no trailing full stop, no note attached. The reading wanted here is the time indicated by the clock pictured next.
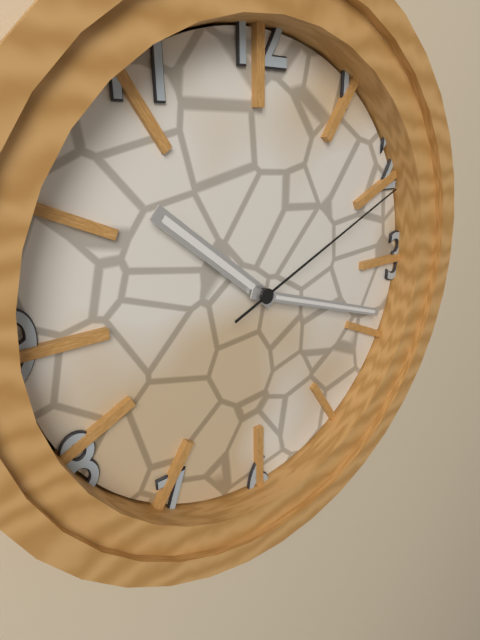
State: 10:18:11
